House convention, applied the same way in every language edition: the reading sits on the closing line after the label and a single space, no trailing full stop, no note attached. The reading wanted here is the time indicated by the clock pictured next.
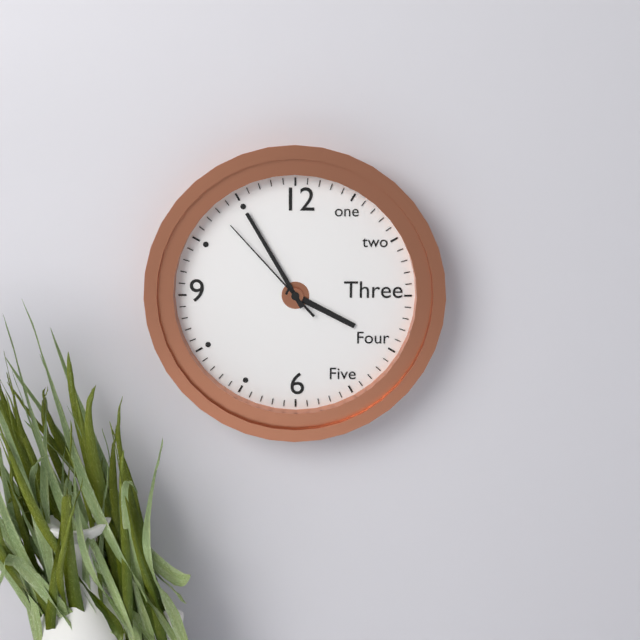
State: 3:55:53
